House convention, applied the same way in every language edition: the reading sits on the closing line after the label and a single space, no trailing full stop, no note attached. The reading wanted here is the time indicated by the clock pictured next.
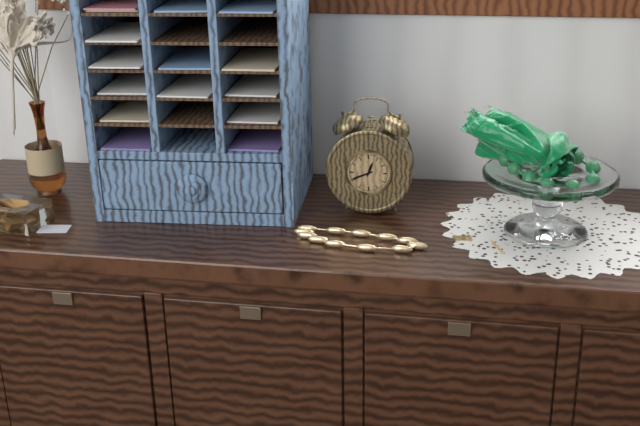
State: 12:41
